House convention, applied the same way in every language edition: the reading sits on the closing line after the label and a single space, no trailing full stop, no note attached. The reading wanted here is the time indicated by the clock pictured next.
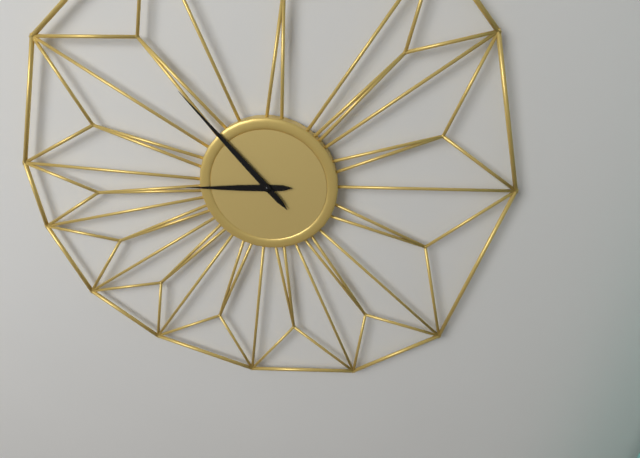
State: 8:53
